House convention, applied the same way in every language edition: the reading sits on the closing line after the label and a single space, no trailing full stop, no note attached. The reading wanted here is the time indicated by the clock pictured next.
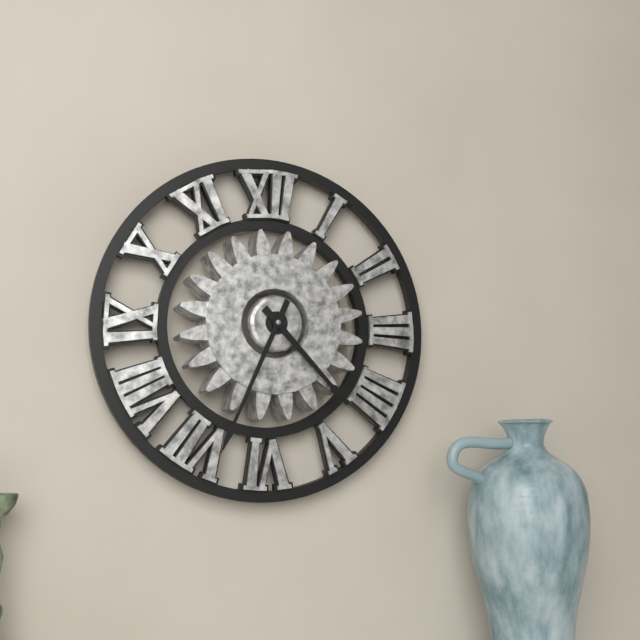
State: 4:34
